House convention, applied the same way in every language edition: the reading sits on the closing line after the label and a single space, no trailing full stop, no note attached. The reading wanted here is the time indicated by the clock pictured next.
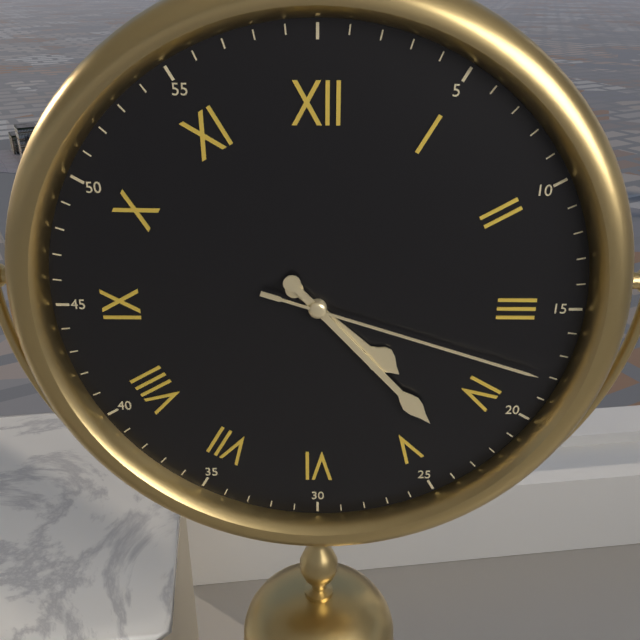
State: 4:23:18
